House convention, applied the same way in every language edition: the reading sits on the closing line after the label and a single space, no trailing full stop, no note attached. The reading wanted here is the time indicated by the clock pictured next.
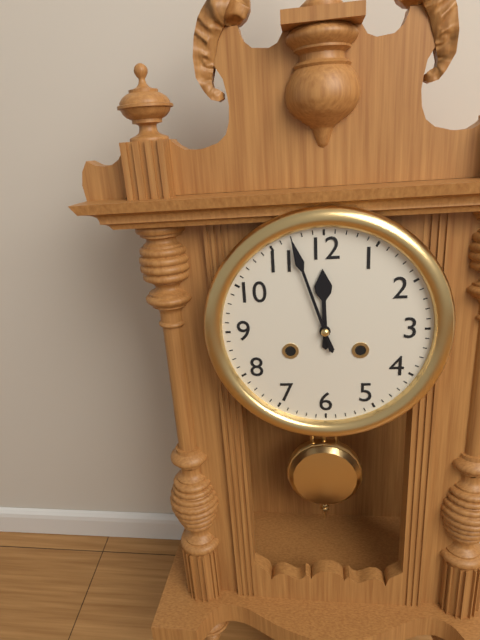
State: 11:57
